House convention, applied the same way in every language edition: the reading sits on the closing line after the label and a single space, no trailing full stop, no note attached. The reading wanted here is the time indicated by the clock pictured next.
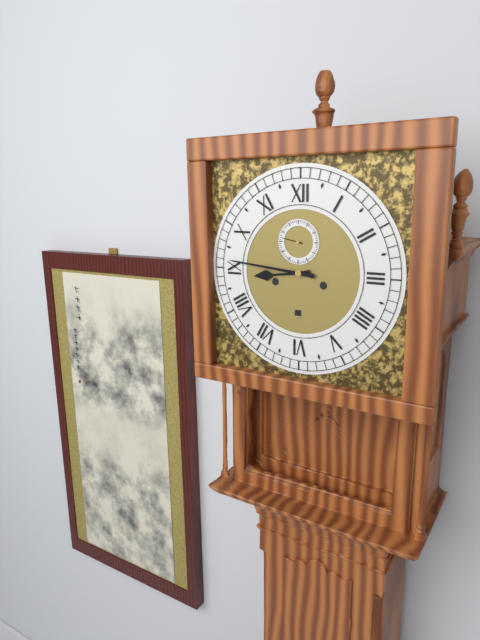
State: 8:46
